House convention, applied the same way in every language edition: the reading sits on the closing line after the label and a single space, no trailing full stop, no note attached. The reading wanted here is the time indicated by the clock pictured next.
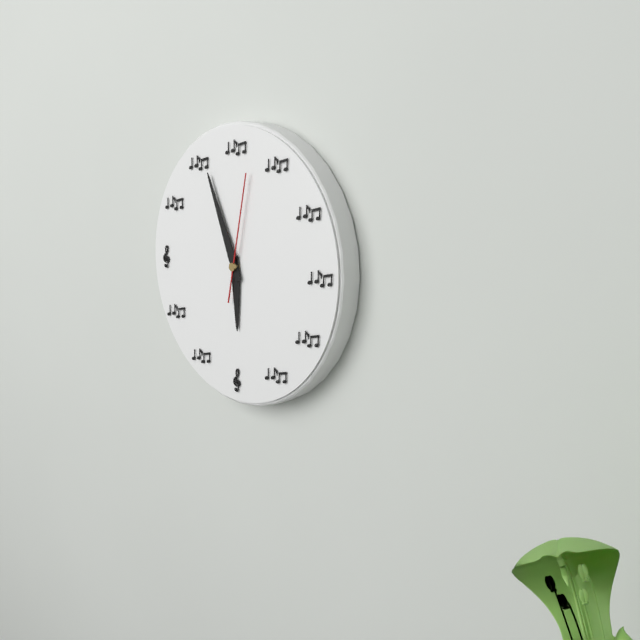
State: 5:56:02
